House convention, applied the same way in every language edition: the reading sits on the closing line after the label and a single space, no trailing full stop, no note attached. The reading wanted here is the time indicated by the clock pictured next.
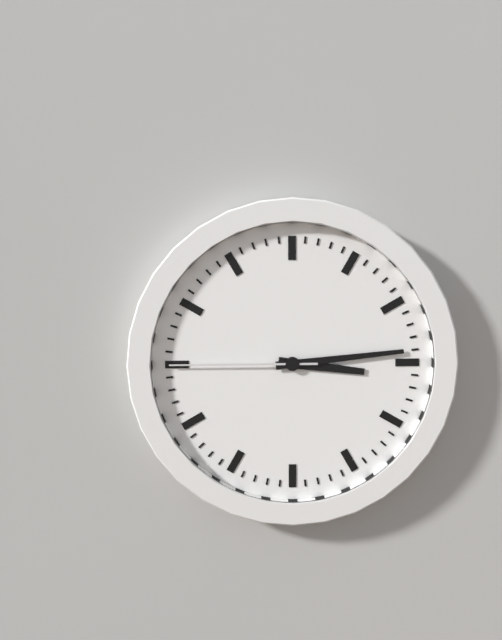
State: 3:14:45
